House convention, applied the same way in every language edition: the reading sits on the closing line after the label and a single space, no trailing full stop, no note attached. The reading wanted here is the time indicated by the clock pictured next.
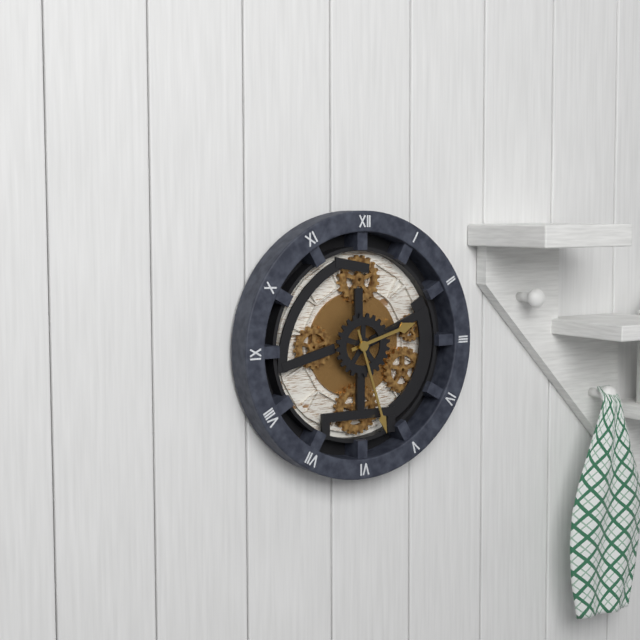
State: 2:27
